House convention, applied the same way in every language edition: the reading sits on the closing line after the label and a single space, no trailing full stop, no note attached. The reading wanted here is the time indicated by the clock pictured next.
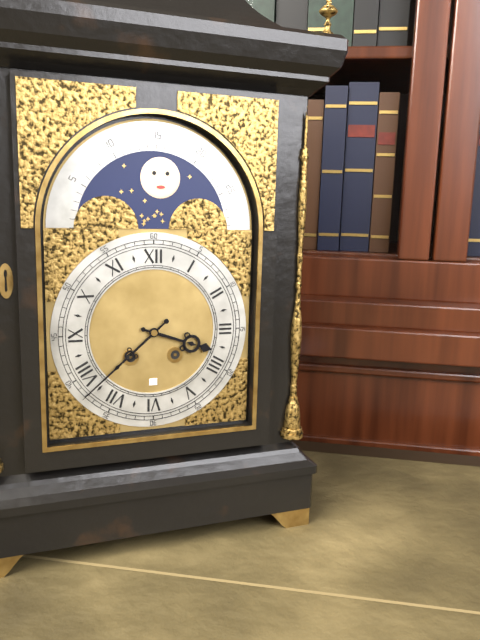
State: 3:38
